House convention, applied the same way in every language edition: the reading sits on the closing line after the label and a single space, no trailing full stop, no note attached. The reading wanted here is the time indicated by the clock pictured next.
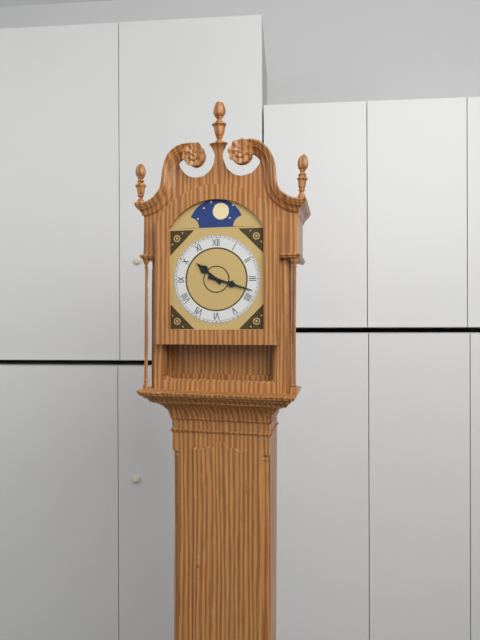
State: 10:18
